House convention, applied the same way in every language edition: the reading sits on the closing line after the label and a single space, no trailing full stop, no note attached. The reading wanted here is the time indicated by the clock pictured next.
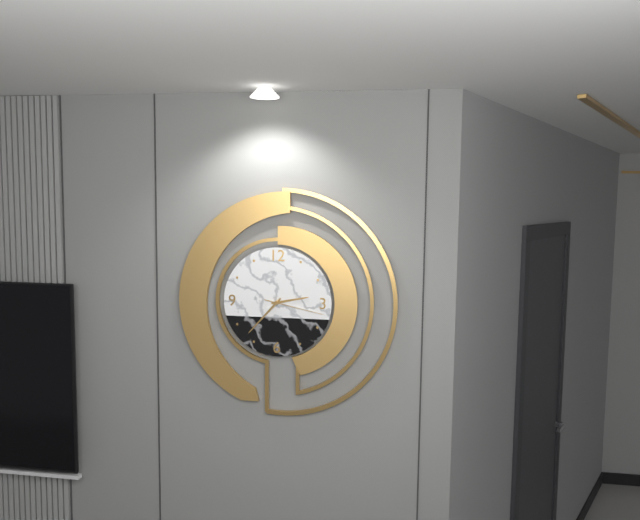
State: 2:37:17
